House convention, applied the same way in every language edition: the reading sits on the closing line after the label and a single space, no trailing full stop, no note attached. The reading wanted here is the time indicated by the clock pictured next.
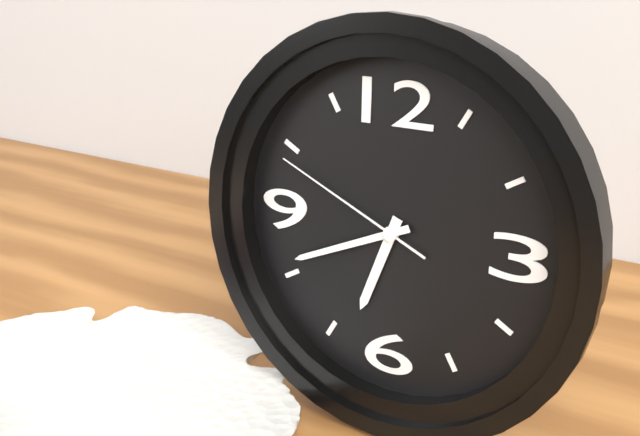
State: 6:41:49
